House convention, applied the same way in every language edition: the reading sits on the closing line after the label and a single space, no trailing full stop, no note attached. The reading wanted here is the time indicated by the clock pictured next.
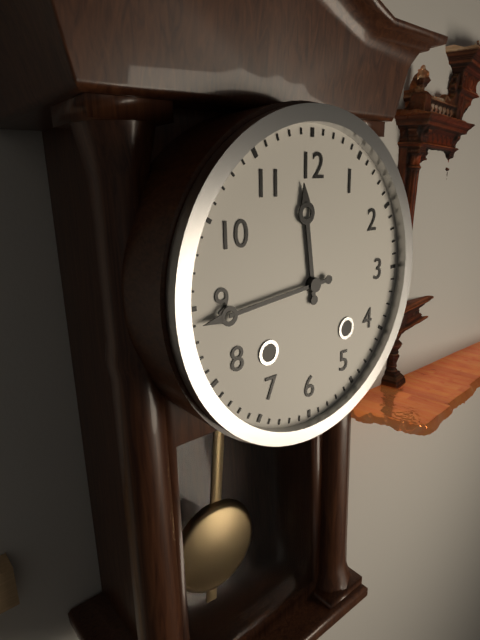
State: 11:44
